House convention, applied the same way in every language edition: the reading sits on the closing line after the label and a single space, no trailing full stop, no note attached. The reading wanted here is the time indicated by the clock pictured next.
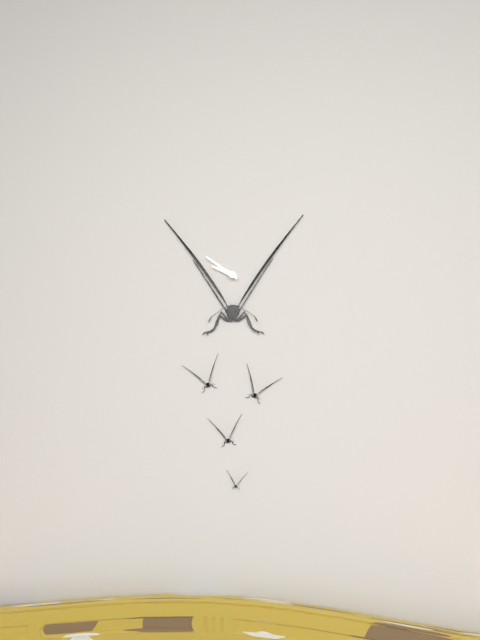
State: 9:51
